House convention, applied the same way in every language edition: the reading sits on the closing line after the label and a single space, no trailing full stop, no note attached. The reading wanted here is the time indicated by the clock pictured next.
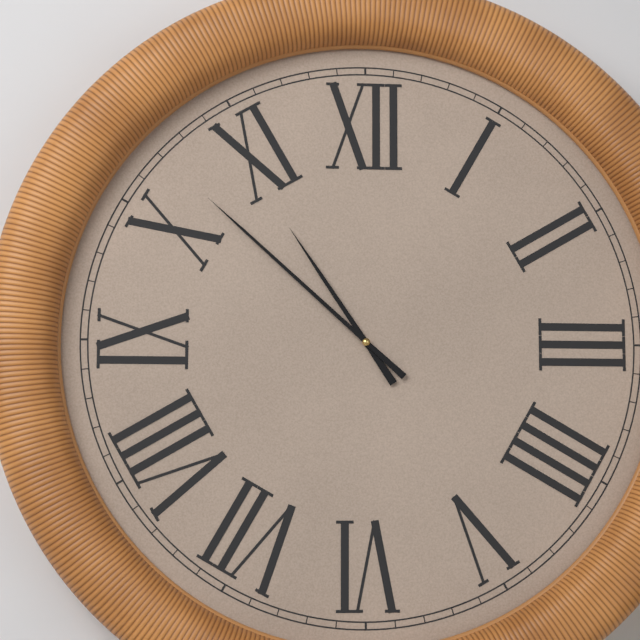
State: 10:52
